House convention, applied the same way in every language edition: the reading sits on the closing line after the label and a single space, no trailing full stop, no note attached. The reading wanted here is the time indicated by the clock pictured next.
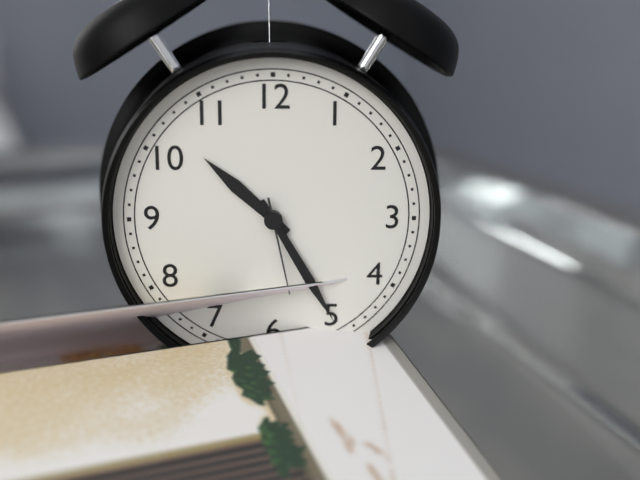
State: 10:25:28
